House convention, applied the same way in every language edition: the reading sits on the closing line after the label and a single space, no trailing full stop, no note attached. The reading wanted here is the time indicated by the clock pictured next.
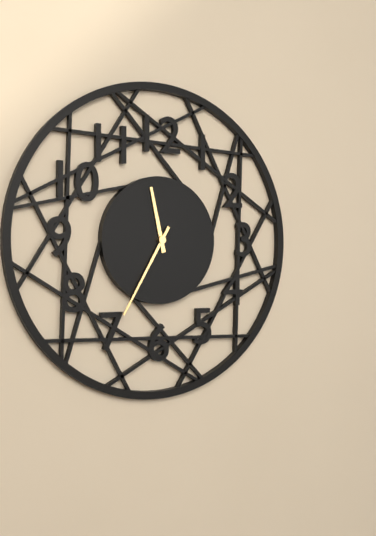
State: 11:35
